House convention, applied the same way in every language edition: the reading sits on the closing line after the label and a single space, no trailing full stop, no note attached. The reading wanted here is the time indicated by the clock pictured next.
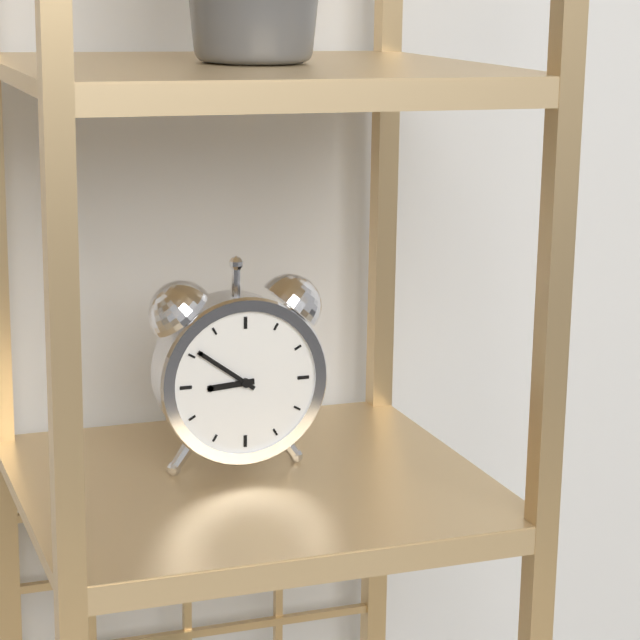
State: 8:51
